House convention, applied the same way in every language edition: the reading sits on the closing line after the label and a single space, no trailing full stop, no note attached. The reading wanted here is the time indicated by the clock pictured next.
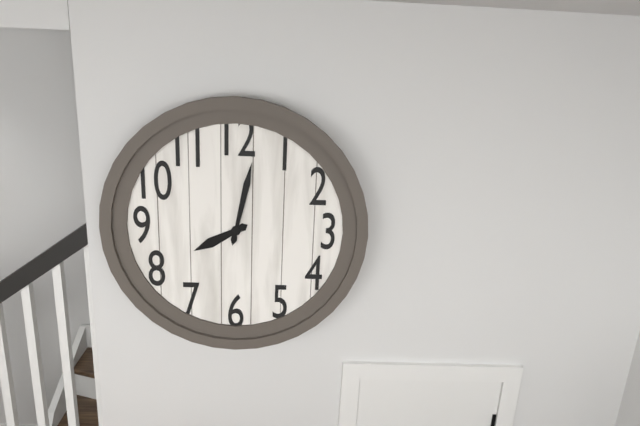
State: 8:02
